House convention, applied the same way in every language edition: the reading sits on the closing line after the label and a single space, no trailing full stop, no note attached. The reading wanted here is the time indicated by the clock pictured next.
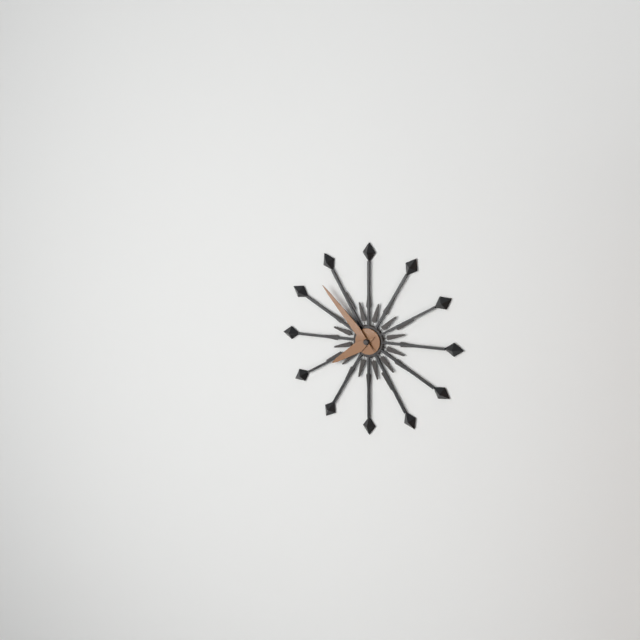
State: 7:53
